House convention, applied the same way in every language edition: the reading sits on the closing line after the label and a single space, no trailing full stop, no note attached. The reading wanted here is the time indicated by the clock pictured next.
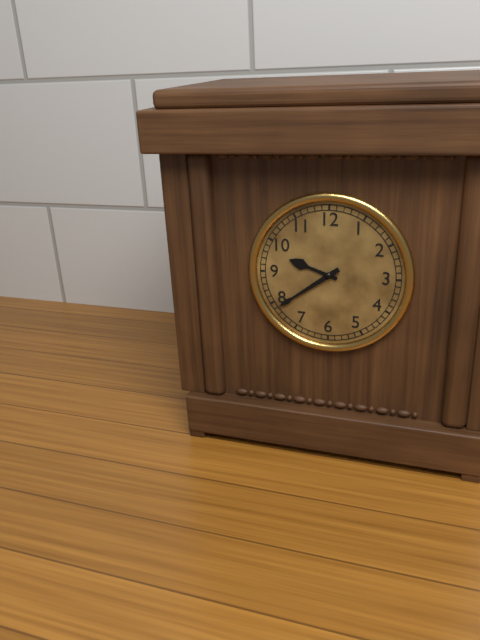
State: 9:39
